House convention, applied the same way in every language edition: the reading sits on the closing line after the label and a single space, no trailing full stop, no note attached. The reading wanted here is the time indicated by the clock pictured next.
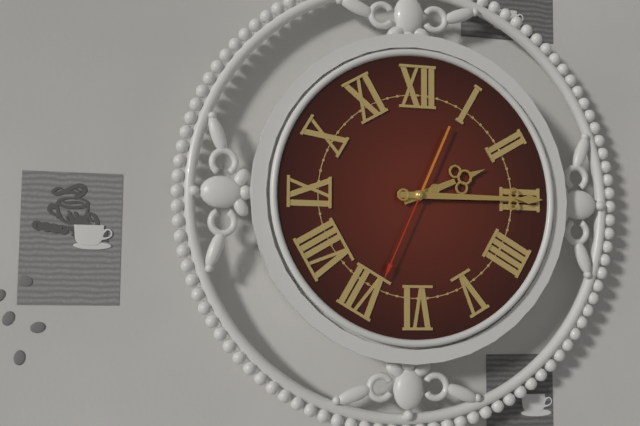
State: 2:15:34
